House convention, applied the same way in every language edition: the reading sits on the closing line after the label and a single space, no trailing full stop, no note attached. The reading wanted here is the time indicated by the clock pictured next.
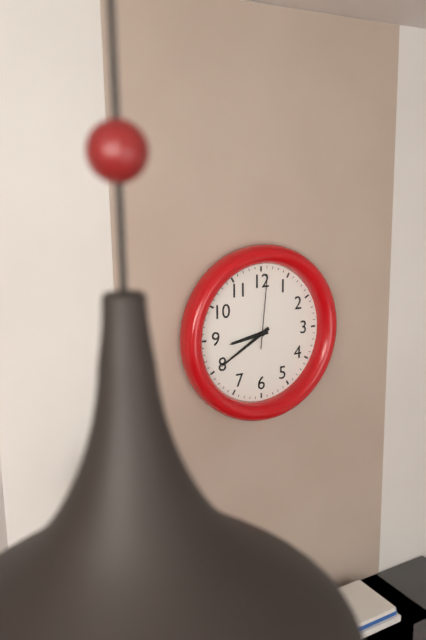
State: 8:40:01
